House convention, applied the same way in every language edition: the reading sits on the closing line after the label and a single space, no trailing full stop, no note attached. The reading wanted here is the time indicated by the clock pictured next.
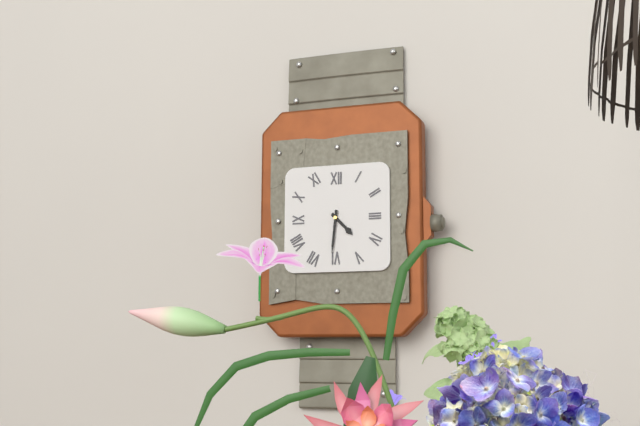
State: 4:31
